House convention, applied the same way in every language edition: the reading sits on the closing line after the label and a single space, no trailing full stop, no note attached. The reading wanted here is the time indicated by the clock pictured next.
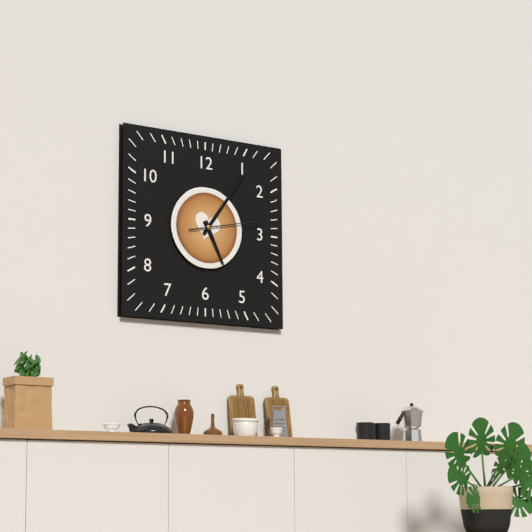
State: 5:06:13
